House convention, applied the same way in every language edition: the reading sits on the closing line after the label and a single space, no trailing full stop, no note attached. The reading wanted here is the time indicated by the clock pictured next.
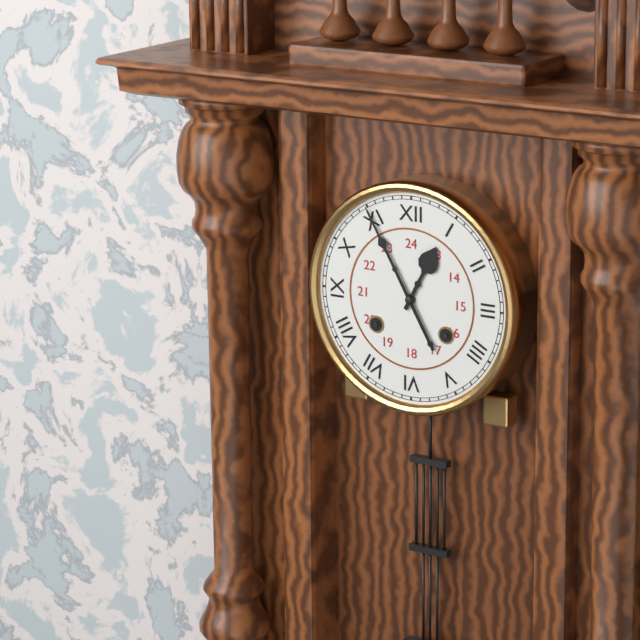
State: 12:55
